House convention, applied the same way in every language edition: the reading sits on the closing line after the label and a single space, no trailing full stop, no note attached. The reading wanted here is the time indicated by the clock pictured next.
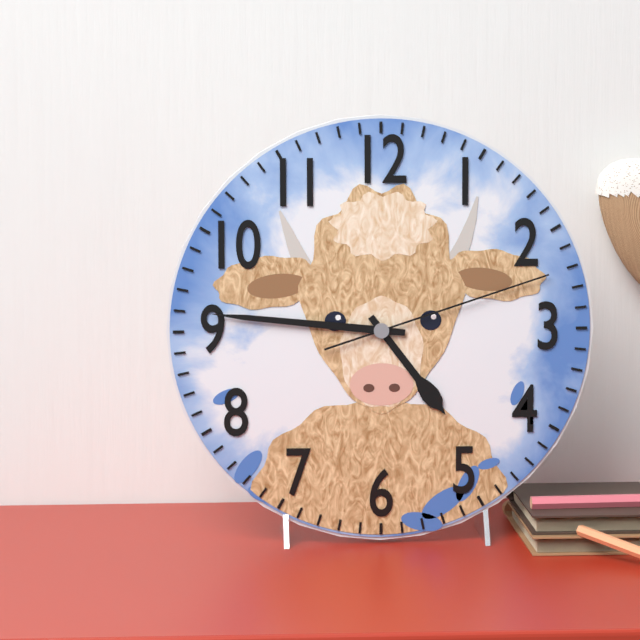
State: 4:46:12
